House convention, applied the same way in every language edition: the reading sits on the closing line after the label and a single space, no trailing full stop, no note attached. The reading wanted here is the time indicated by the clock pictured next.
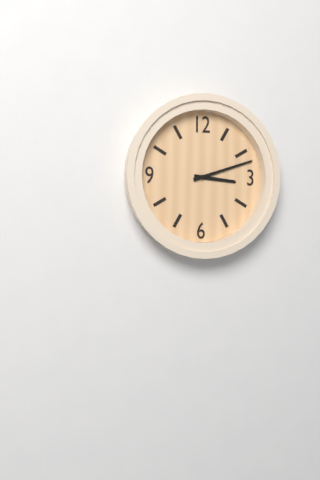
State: 3:12
